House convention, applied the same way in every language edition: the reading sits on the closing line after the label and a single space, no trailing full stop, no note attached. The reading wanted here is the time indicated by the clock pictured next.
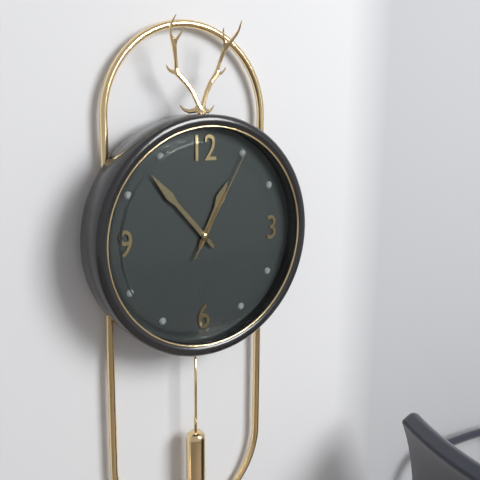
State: 12:53:05
